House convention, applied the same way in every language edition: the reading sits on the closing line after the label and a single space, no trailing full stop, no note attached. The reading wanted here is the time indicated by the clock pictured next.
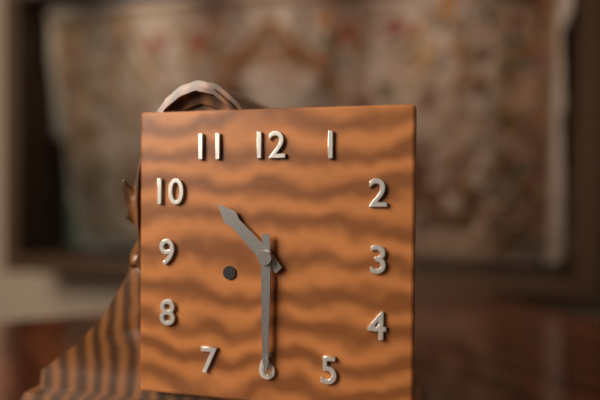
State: 10:30
